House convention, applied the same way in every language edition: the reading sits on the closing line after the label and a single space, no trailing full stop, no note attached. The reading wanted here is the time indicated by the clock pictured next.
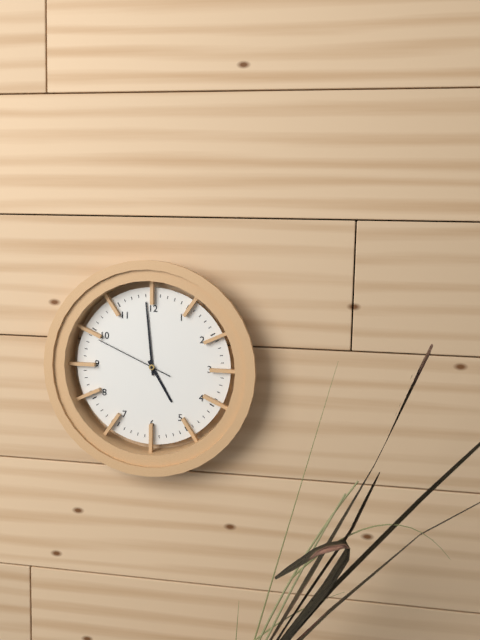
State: 4:59:49
